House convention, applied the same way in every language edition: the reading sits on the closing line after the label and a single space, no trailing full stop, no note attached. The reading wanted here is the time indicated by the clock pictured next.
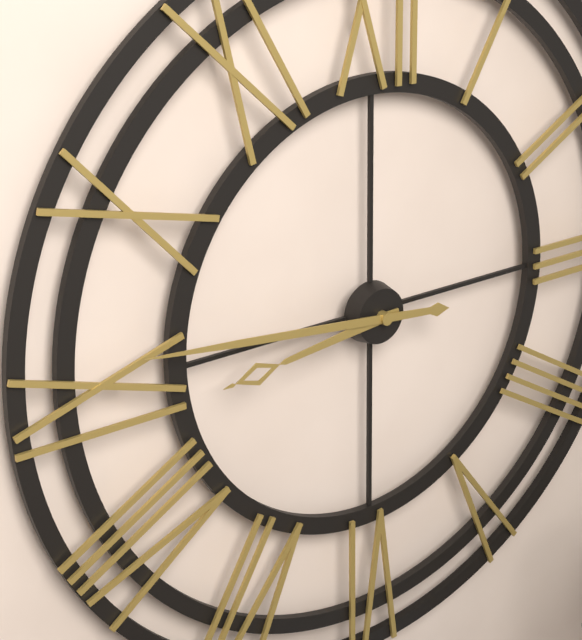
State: 8:46
